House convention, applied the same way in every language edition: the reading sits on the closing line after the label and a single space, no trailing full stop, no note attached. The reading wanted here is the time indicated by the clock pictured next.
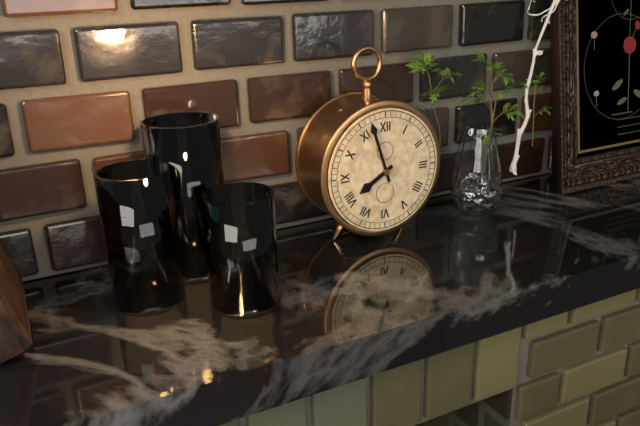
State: 7:57
